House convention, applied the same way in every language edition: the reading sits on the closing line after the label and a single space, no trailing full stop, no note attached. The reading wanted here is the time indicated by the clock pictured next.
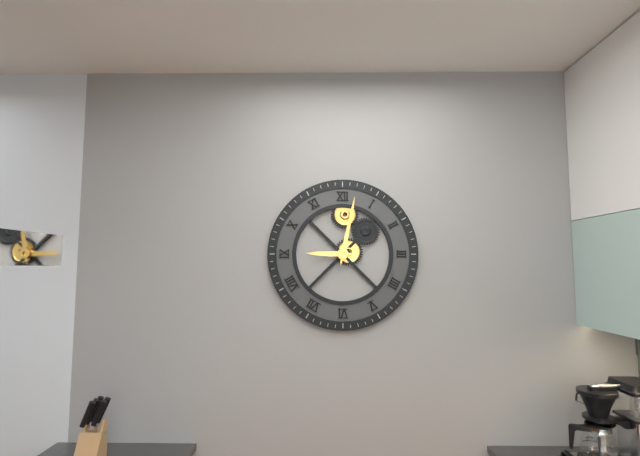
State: 9:02
